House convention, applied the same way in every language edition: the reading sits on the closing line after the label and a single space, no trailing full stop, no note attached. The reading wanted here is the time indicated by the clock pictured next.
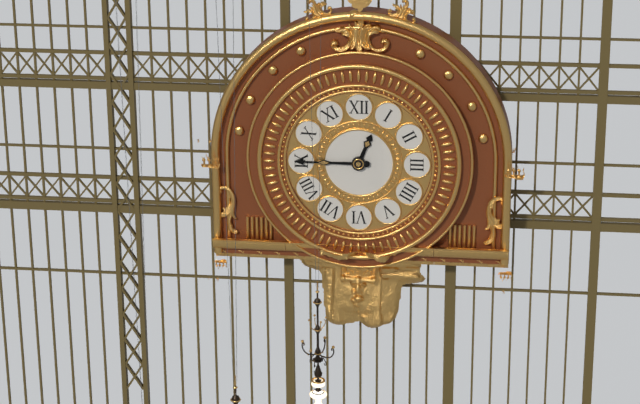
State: 12:45
